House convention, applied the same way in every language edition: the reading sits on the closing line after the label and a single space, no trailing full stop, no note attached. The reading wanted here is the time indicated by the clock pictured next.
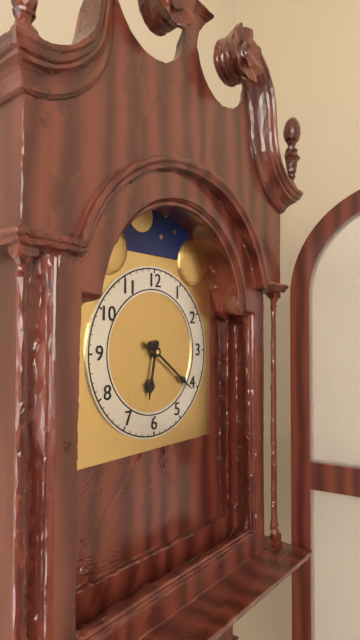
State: 6:21
